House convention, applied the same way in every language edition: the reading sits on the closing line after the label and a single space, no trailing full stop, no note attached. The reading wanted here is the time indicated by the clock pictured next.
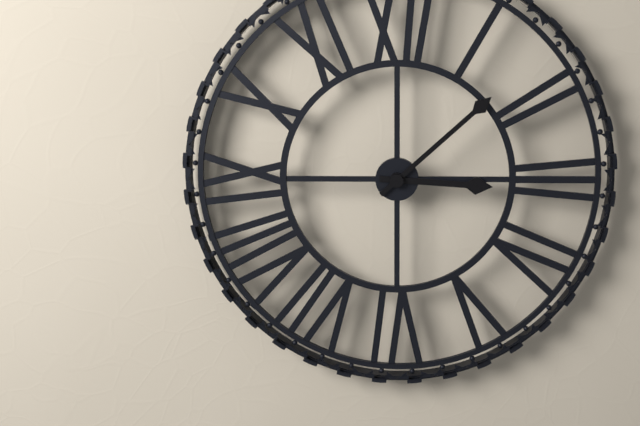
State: 3:08
